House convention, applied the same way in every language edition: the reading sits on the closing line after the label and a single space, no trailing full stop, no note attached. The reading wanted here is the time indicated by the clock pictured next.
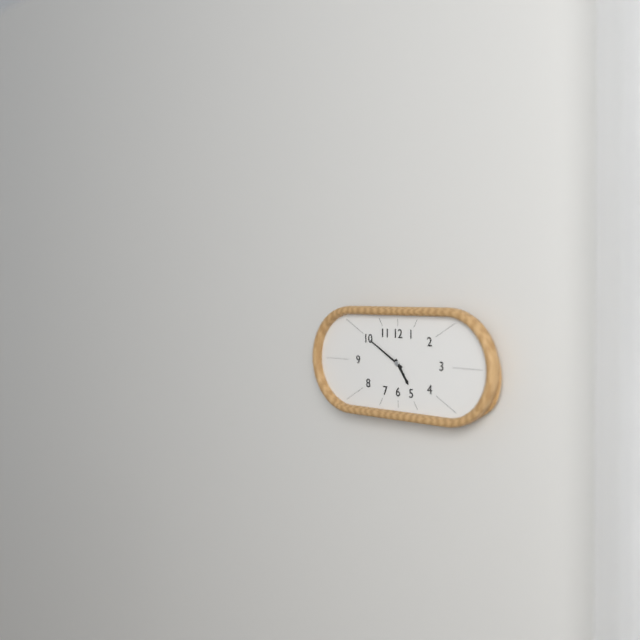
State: 4:50
